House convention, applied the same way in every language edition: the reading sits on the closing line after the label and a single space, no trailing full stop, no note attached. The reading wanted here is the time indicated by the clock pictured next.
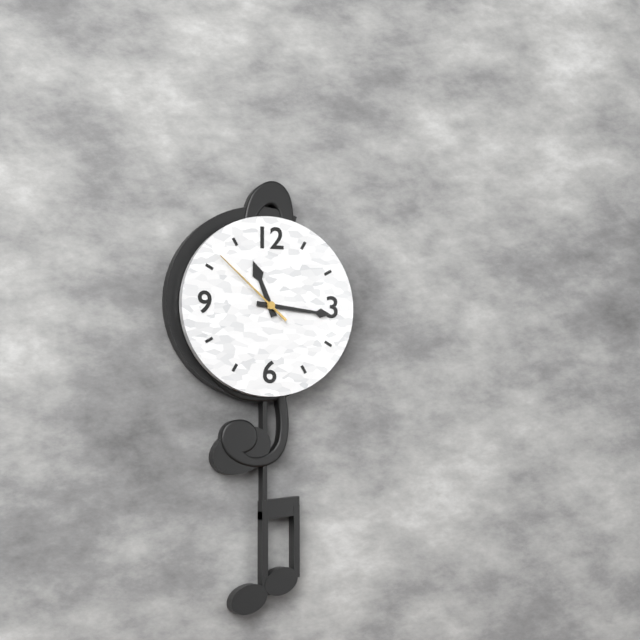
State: 11:16:52
